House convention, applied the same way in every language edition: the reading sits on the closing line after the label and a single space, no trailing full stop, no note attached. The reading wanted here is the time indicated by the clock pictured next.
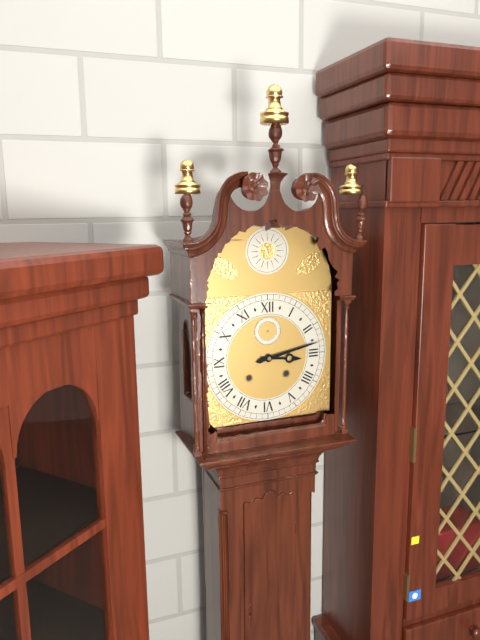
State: 3:13
